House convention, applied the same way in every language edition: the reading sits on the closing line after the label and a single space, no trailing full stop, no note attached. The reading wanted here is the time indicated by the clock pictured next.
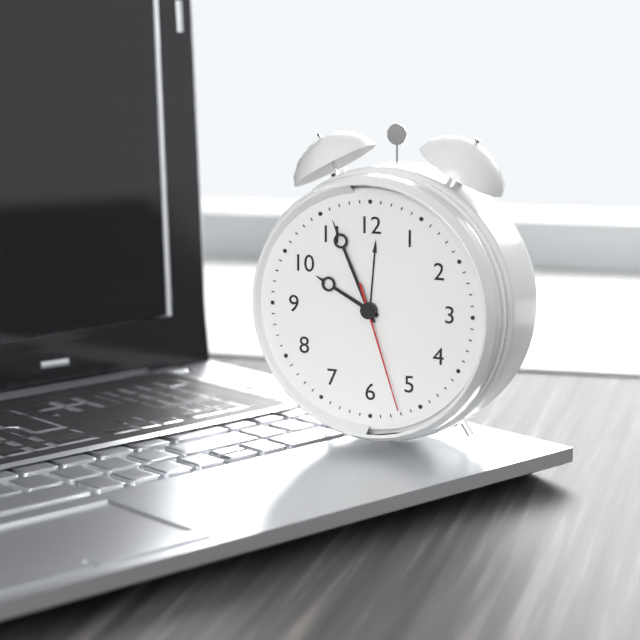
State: 9:56:27
